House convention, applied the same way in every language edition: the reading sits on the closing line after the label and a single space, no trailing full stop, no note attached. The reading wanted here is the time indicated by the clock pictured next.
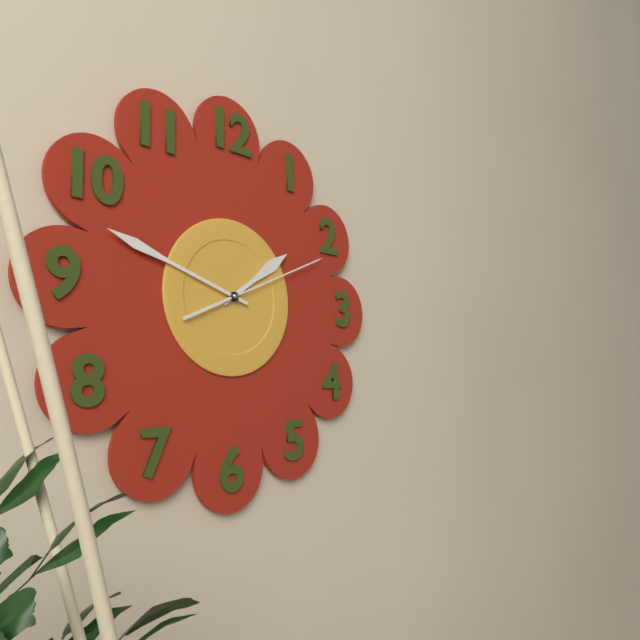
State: 1:48:11
